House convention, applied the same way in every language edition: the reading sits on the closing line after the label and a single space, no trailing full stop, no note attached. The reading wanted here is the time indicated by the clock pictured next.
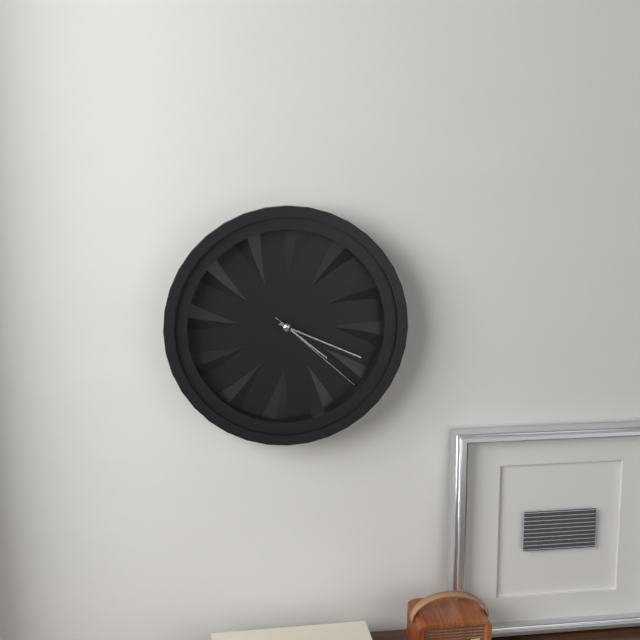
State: 4:19:22
